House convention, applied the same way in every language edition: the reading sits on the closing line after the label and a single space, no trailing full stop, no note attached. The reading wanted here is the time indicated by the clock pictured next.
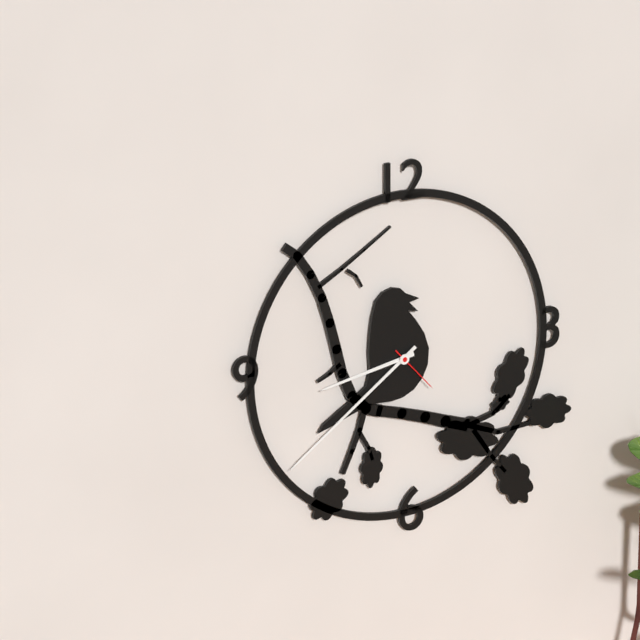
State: 8:39:23
